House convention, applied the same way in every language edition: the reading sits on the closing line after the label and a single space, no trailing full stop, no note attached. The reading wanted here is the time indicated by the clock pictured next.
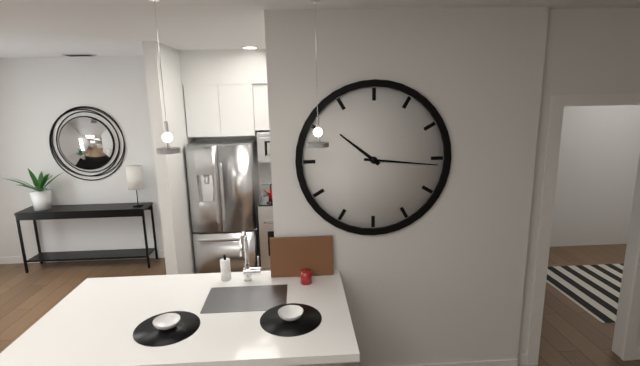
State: 10:16
